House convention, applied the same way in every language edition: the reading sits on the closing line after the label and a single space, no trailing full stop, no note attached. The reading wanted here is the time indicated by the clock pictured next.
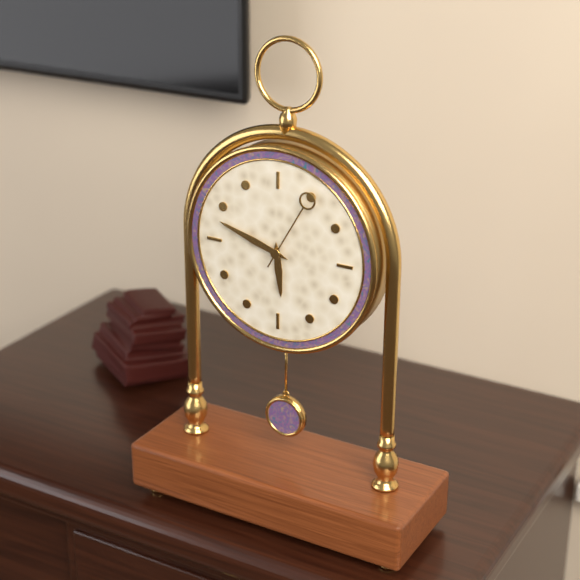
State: 5:48:05
